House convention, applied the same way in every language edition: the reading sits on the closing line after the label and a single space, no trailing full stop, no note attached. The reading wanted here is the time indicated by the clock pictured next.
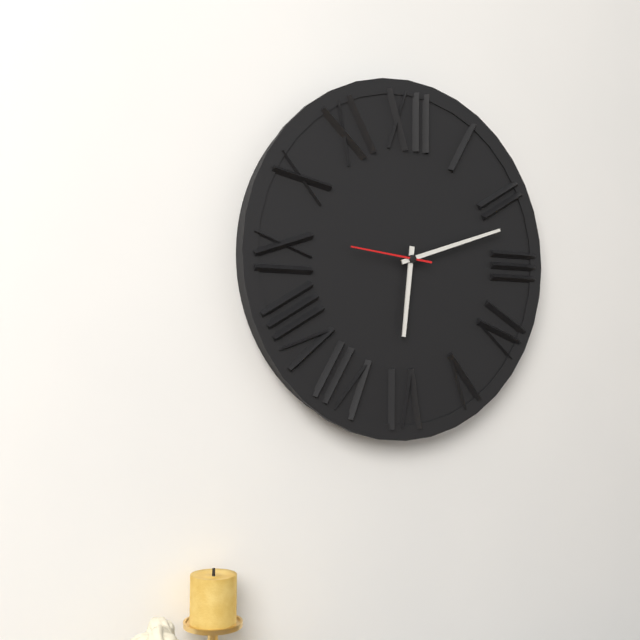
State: 6:12:46
